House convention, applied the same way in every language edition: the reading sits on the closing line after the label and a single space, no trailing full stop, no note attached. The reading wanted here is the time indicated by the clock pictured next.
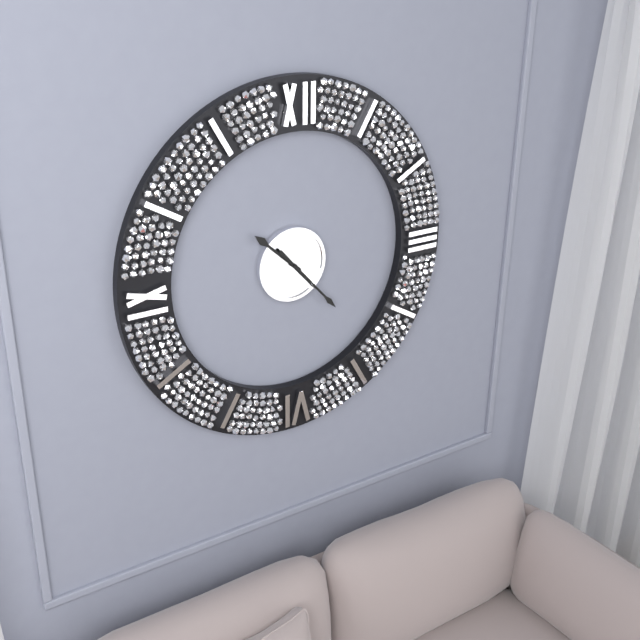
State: 10:23
